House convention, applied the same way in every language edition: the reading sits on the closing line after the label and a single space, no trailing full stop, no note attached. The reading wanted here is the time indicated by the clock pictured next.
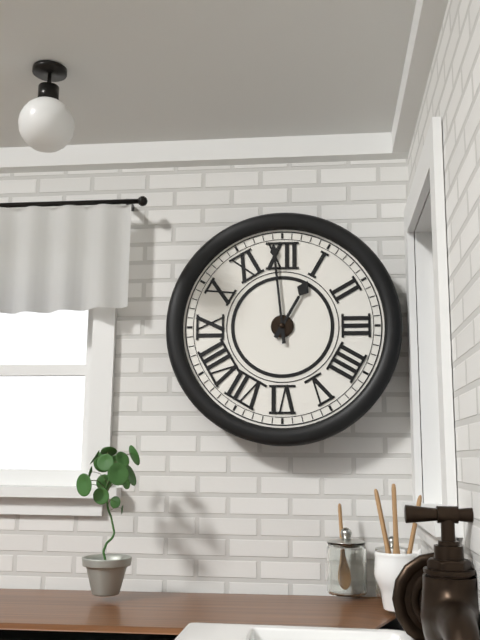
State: 12:59
